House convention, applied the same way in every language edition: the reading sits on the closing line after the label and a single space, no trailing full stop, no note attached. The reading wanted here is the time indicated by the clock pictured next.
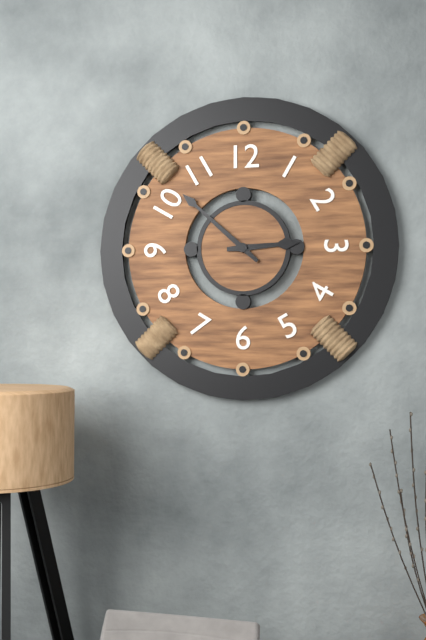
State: 2:52
